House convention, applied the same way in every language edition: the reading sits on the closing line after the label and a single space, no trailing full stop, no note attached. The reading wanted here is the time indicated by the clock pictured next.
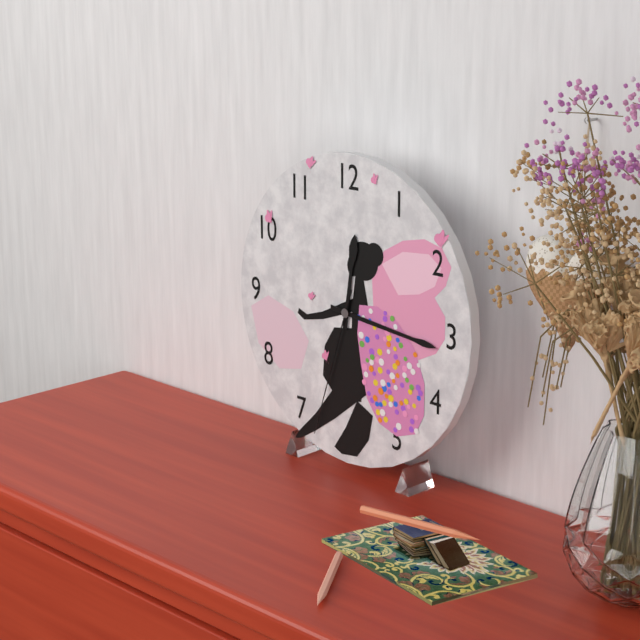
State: 12:16:33
